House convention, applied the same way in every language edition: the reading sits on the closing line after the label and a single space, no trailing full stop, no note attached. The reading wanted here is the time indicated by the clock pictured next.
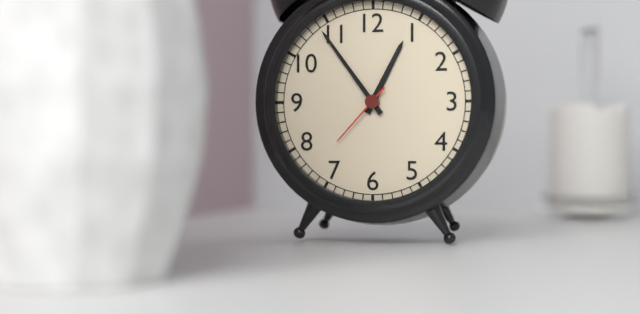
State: 12:54:37
